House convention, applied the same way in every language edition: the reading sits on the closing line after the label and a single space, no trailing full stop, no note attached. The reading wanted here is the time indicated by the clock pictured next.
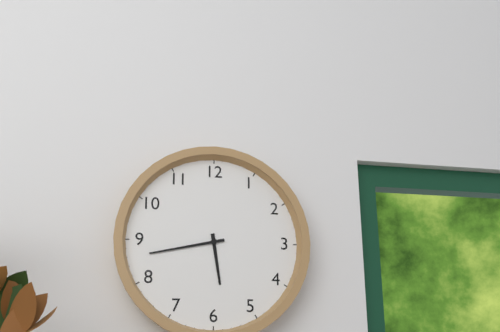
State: 5:43
